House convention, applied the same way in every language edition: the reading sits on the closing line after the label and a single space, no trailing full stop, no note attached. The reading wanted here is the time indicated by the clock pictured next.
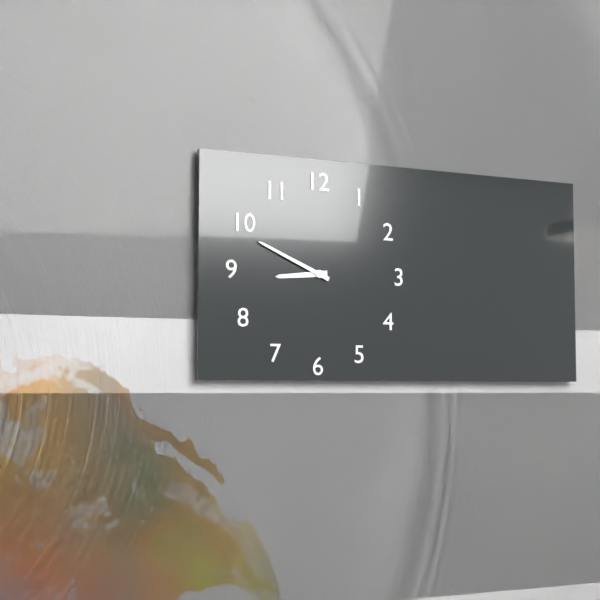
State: 8:49
